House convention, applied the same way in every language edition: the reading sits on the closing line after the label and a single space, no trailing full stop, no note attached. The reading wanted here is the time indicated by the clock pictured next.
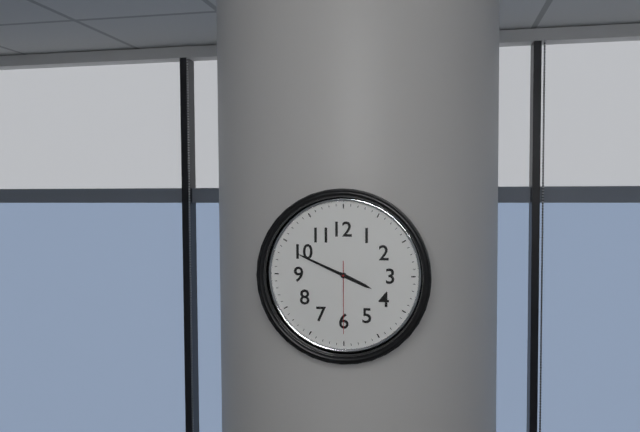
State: 3:49:30
